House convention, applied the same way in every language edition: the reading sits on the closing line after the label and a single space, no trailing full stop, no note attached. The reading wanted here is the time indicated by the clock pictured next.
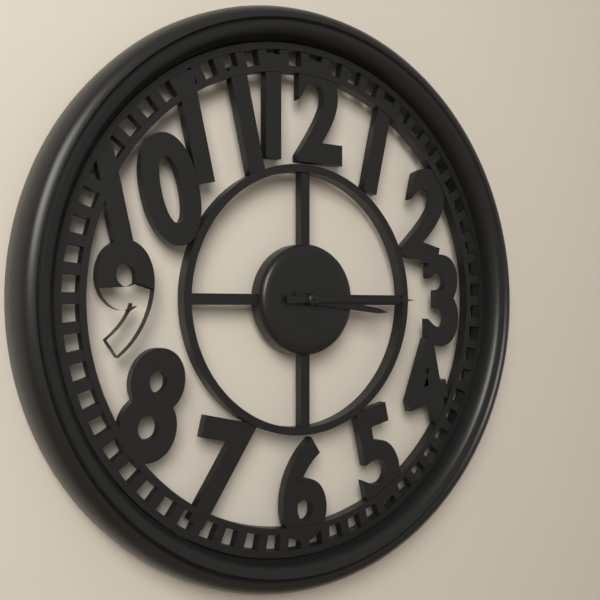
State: 3:15
